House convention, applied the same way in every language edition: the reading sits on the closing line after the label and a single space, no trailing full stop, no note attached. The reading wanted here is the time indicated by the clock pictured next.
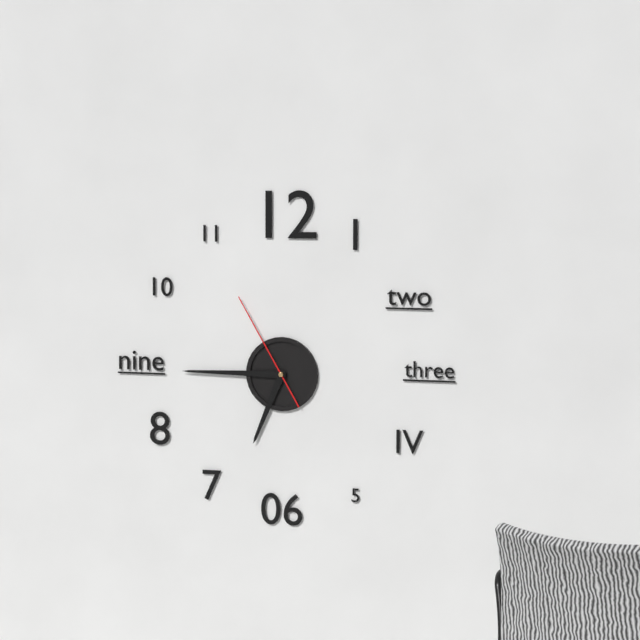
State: 6:45:55
